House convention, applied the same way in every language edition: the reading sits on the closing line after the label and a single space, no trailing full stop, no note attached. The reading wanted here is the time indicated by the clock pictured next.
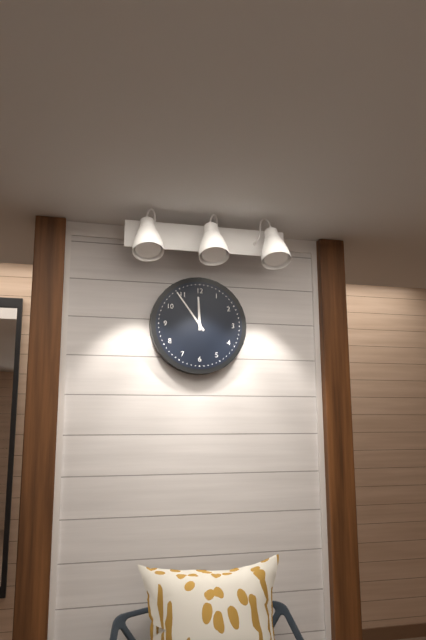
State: 11:54
